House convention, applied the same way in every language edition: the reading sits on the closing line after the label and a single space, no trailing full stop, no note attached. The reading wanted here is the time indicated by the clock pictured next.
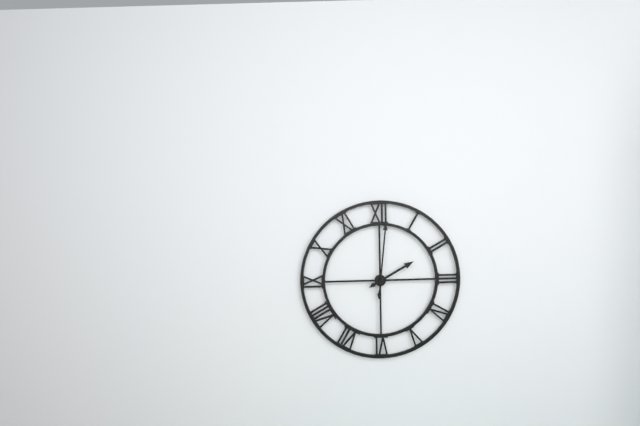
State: 2:01
